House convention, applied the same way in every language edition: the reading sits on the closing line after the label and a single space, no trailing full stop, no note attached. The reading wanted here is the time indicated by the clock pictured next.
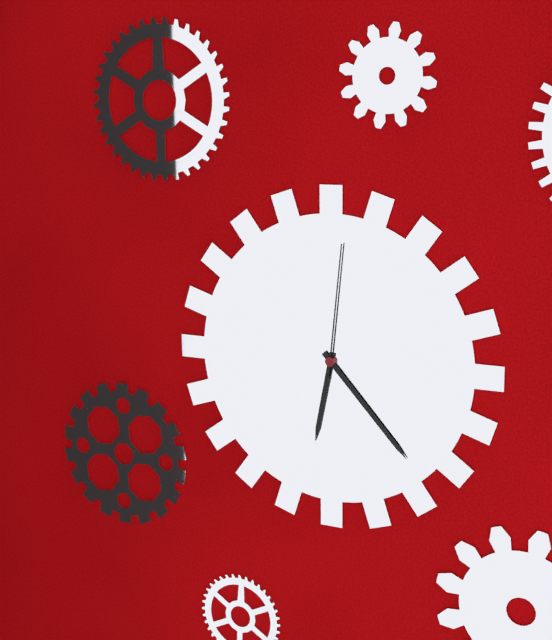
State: 6:23:01
